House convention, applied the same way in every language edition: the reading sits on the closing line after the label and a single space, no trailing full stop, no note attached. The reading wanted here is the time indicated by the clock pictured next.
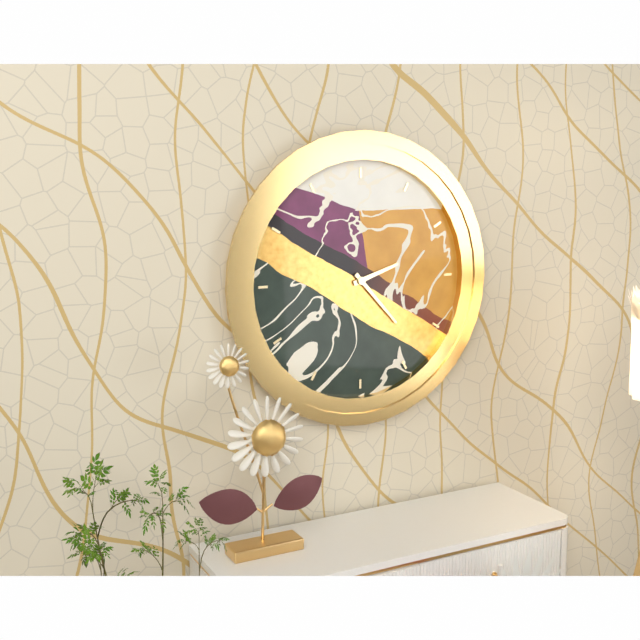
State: 2:23
